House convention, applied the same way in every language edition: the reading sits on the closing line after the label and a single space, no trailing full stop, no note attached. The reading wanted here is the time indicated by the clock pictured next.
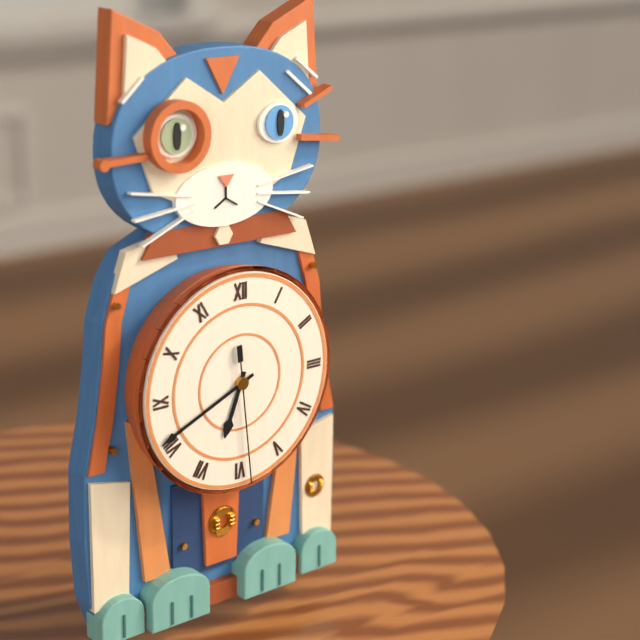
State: 6:41:29
